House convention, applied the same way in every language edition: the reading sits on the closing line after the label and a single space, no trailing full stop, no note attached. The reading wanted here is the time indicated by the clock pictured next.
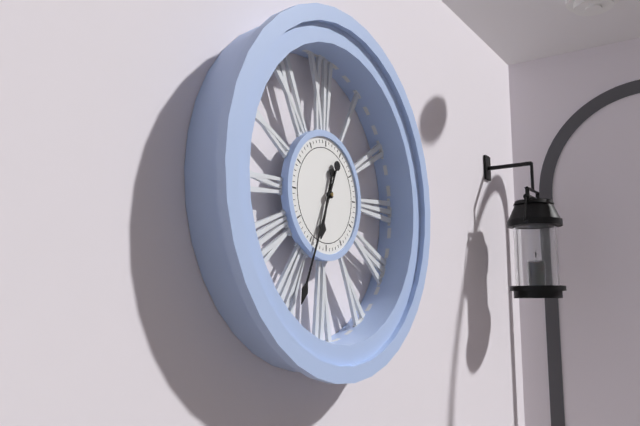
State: 6:34
